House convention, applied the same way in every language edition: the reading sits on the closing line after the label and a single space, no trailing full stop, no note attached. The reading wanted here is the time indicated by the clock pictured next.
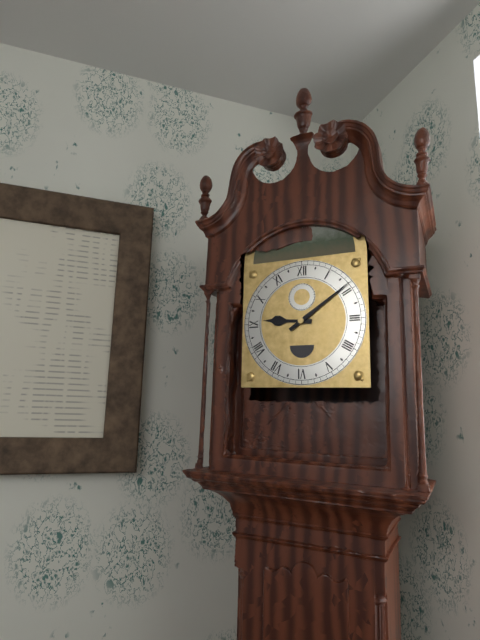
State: 9:09
